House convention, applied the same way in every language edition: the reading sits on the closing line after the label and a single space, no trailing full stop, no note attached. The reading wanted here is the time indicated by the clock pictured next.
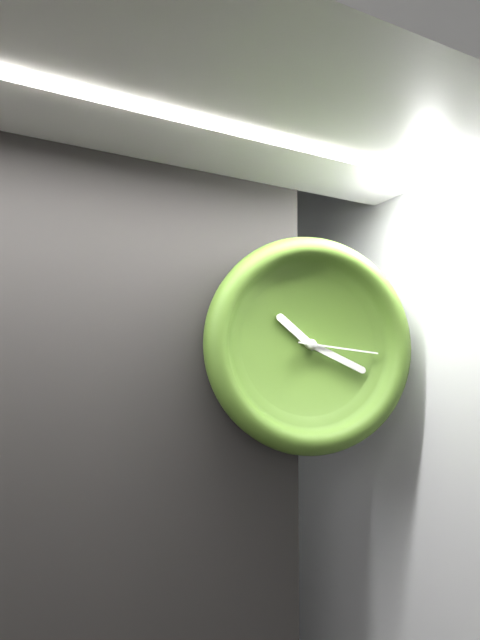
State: 10:19:16
